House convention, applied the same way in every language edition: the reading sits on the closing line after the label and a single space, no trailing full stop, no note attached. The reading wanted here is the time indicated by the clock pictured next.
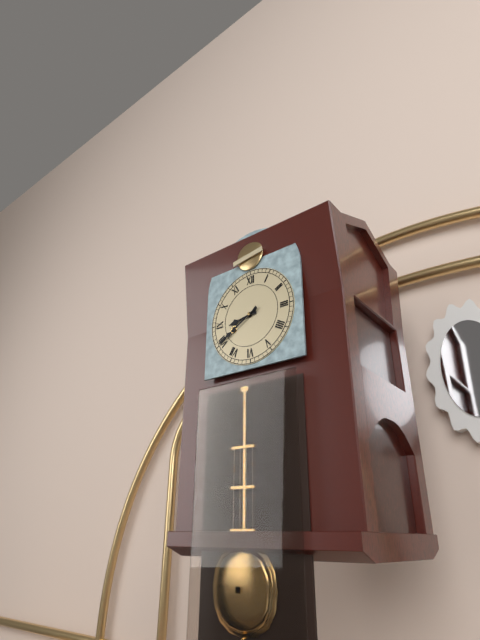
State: 8:40
